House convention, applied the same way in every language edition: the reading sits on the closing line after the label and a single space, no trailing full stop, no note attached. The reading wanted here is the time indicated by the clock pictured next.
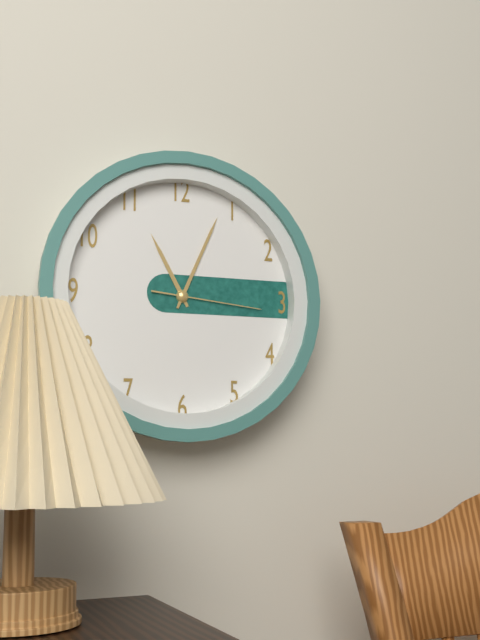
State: 11:04:16
